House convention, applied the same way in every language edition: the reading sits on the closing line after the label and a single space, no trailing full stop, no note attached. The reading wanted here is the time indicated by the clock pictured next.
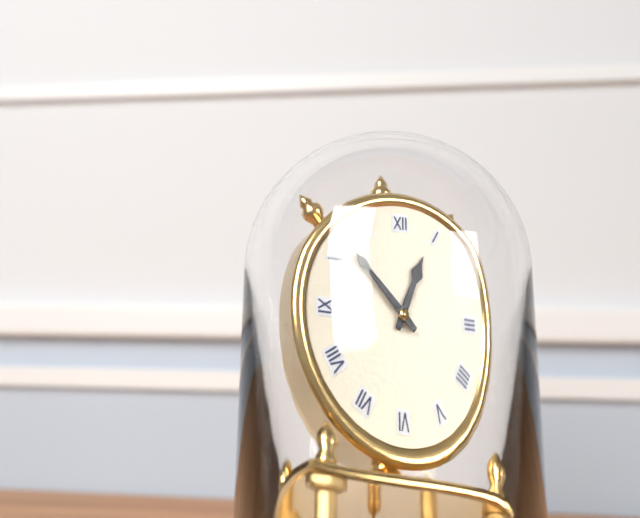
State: 12:52
